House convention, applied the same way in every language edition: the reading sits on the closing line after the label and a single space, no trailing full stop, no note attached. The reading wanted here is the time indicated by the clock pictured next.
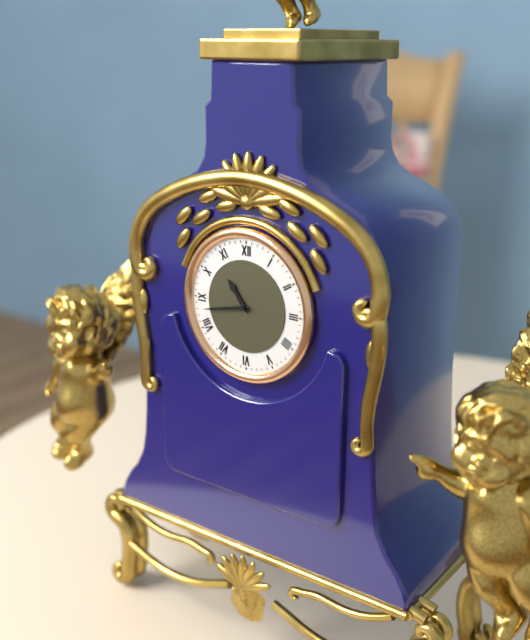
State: 10:43
